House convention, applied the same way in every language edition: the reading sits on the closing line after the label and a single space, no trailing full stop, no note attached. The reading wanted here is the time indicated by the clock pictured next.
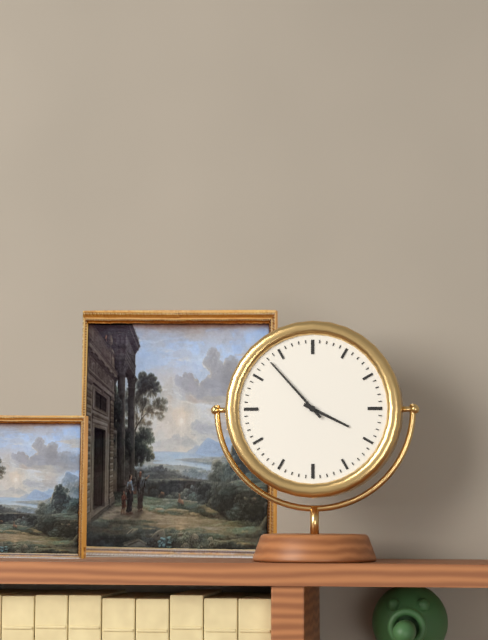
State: 3:53
